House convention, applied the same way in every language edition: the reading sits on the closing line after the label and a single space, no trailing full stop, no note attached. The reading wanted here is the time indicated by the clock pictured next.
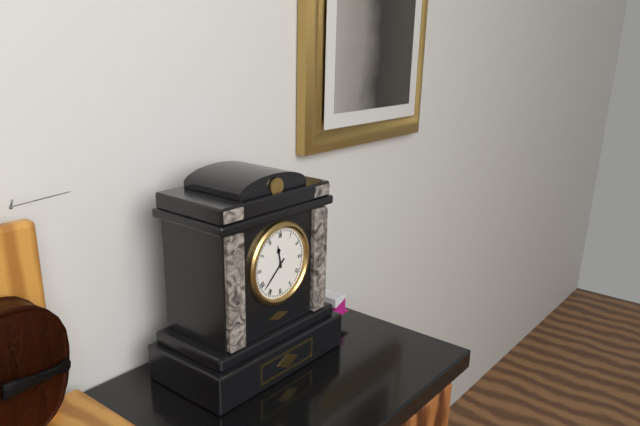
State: 11:38
